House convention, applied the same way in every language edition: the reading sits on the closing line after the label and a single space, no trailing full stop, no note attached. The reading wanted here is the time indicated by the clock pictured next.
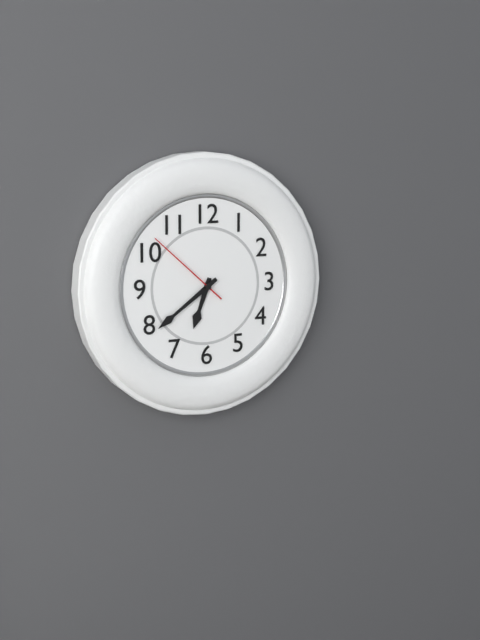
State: 6:39:52
